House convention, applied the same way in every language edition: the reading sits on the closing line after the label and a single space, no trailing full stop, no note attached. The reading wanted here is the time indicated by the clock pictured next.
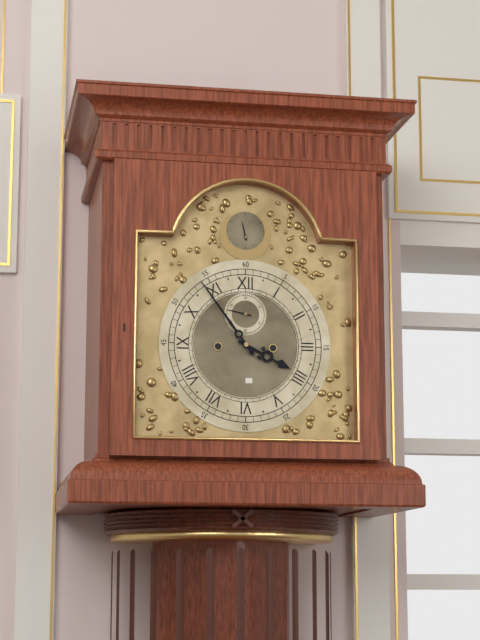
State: 3:54
